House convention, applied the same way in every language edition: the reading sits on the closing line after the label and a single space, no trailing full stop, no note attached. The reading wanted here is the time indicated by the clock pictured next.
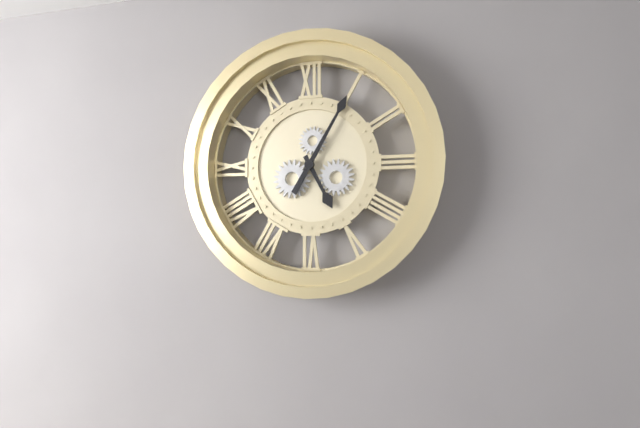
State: 5:05
